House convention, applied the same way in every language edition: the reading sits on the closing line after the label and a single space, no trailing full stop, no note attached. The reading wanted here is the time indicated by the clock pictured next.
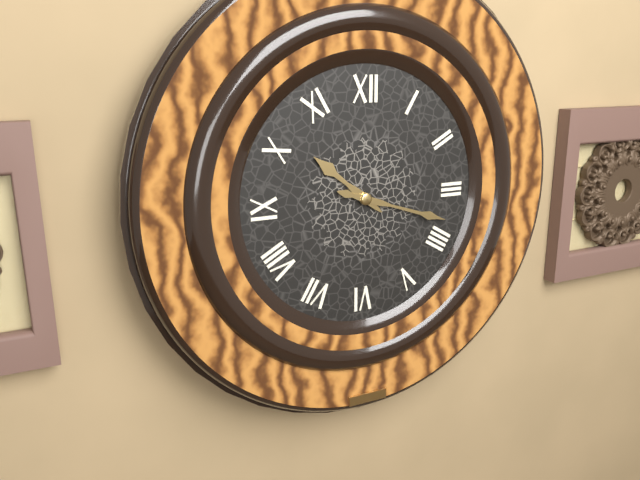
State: 10:18
